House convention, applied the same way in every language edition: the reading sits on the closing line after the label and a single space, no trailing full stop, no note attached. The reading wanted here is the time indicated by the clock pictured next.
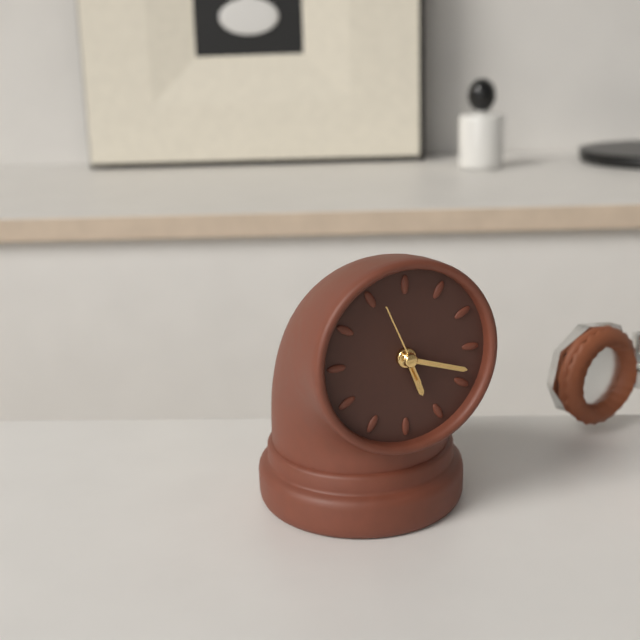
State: 5:18:56
